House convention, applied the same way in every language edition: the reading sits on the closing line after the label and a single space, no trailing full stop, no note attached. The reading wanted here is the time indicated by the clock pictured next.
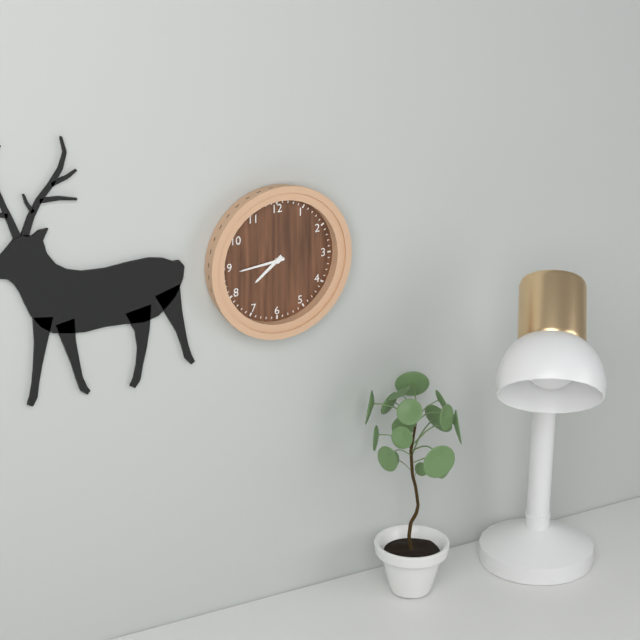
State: 7:44
